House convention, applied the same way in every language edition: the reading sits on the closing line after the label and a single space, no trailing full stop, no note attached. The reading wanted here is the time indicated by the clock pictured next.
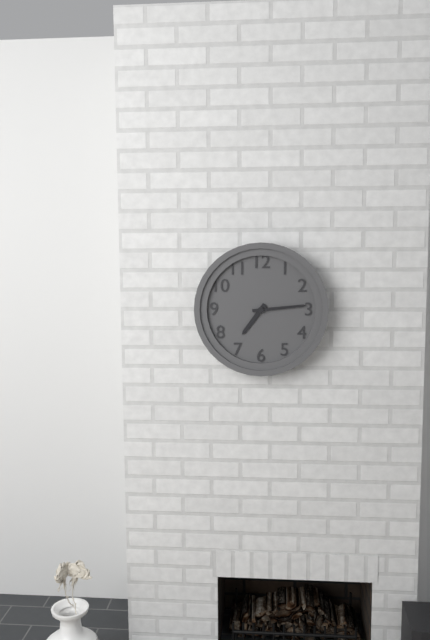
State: 7:14
